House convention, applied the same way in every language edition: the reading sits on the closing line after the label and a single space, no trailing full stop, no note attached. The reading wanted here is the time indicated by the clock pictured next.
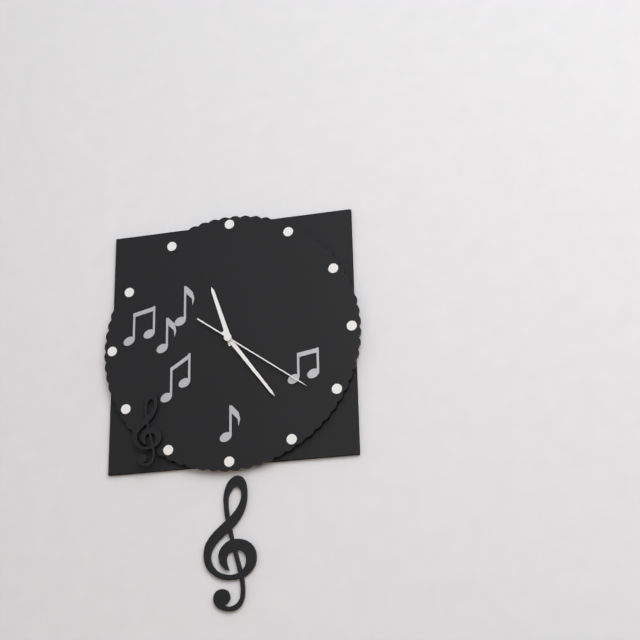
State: 11:24:21
